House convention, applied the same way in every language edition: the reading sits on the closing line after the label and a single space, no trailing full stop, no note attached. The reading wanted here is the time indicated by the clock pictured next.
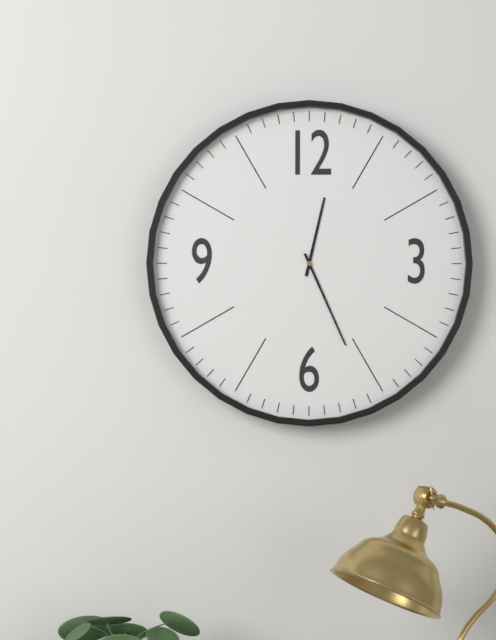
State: 12:26
